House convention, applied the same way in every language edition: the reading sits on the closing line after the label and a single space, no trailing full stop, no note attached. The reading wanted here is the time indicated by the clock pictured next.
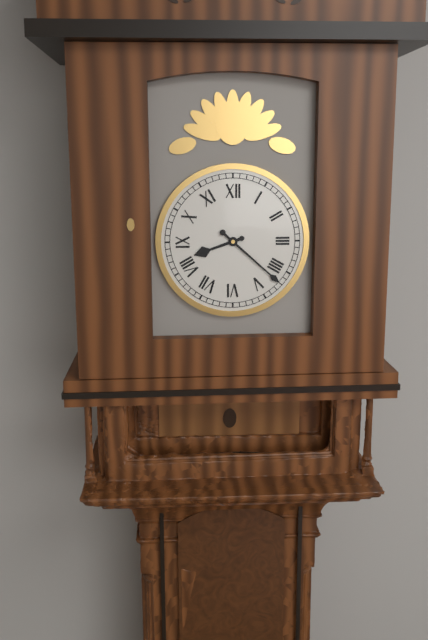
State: 8:22
